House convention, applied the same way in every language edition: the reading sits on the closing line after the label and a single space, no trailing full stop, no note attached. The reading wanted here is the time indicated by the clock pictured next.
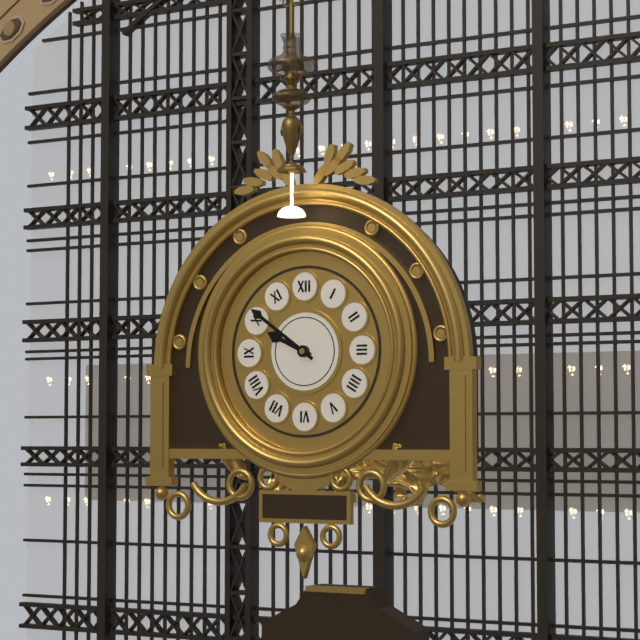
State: 9:51
